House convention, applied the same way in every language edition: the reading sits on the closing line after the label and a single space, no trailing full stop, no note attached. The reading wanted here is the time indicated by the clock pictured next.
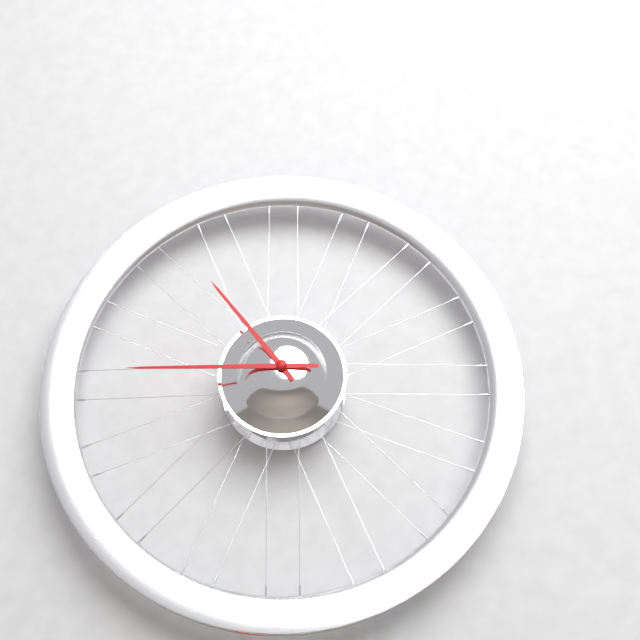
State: 10:45
